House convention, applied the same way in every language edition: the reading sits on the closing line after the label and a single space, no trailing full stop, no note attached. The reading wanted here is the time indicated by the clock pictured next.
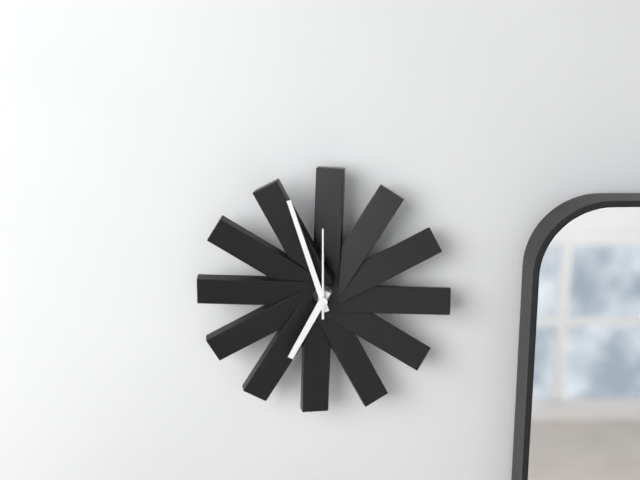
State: 6:57:00
